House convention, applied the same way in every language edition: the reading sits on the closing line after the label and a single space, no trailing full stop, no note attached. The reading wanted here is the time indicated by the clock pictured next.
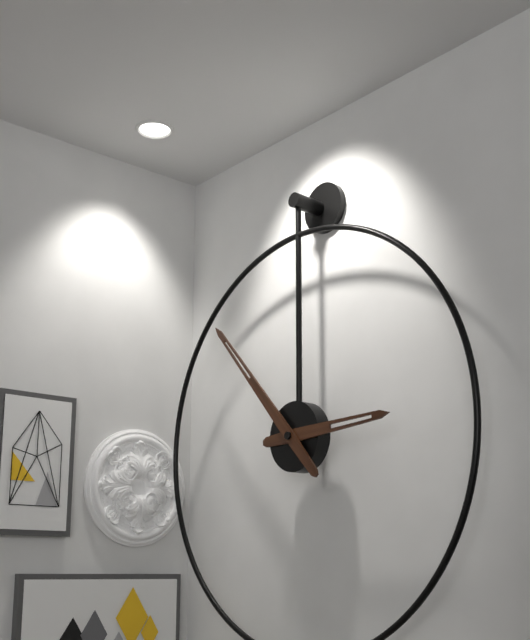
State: 2:53
